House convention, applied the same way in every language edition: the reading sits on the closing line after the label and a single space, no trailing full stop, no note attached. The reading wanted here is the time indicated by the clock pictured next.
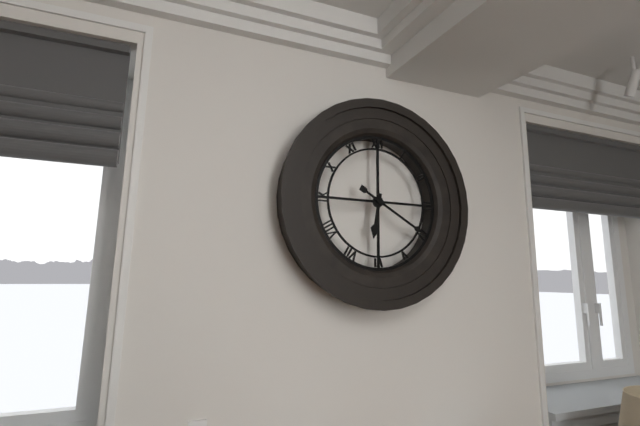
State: 6:20
